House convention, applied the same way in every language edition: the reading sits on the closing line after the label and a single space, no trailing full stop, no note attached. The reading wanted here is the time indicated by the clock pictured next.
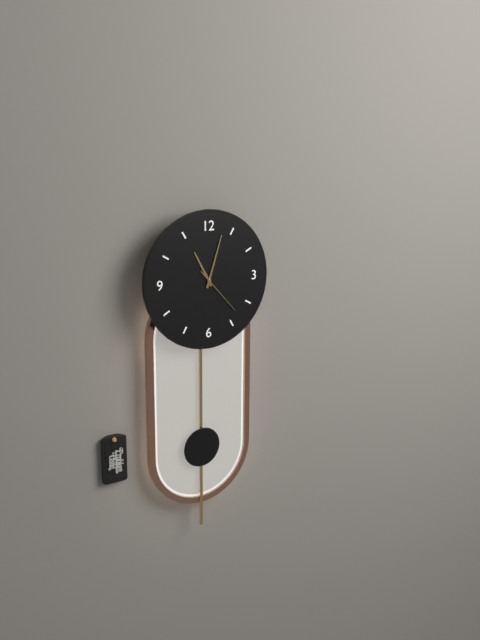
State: 11:03:23
